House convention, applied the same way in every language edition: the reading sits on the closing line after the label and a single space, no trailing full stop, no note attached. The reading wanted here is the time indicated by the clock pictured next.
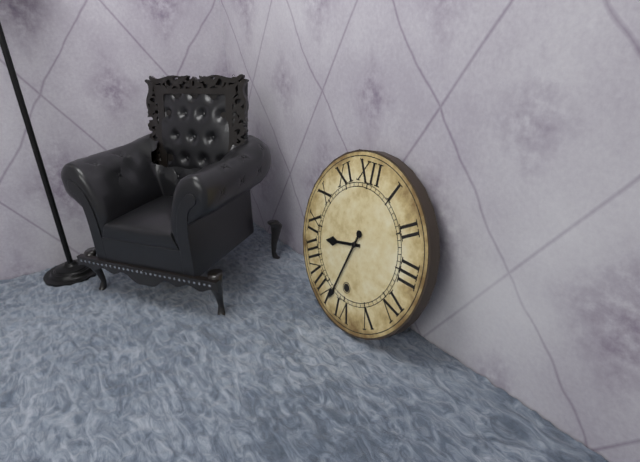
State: 8:33
